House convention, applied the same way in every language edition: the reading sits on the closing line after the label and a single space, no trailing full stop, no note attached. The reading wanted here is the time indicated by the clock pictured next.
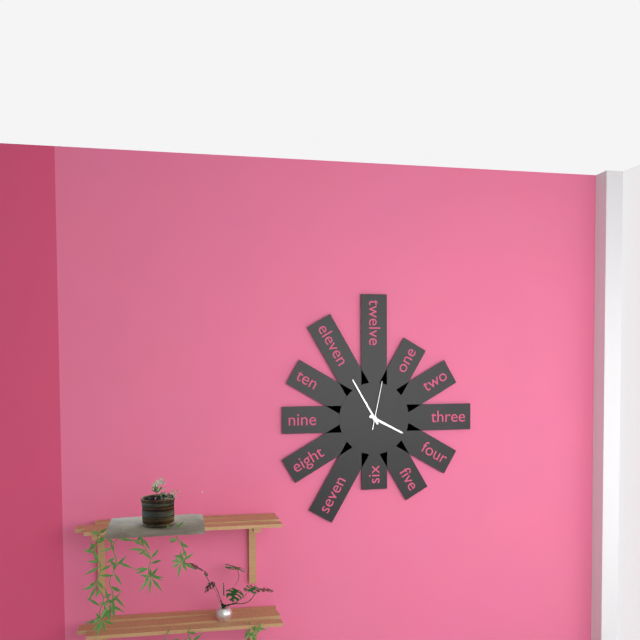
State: 3:55
